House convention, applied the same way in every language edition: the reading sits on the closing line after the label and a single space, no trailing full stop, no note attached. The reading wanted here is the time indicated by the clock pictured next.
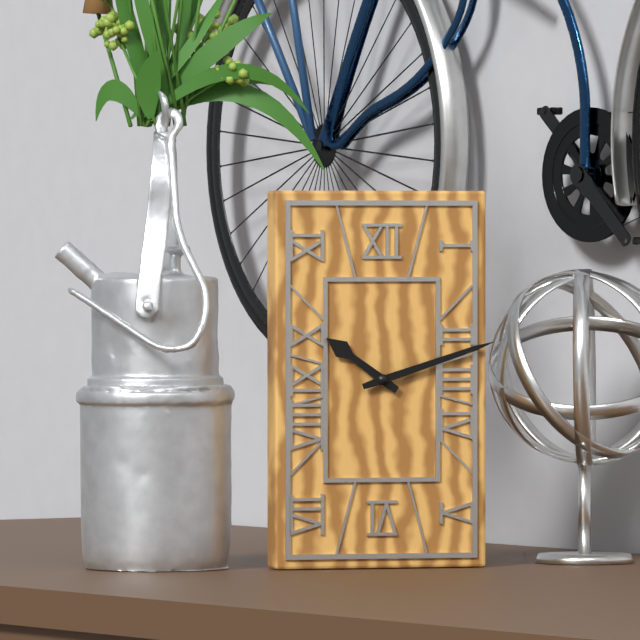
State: 10:12
